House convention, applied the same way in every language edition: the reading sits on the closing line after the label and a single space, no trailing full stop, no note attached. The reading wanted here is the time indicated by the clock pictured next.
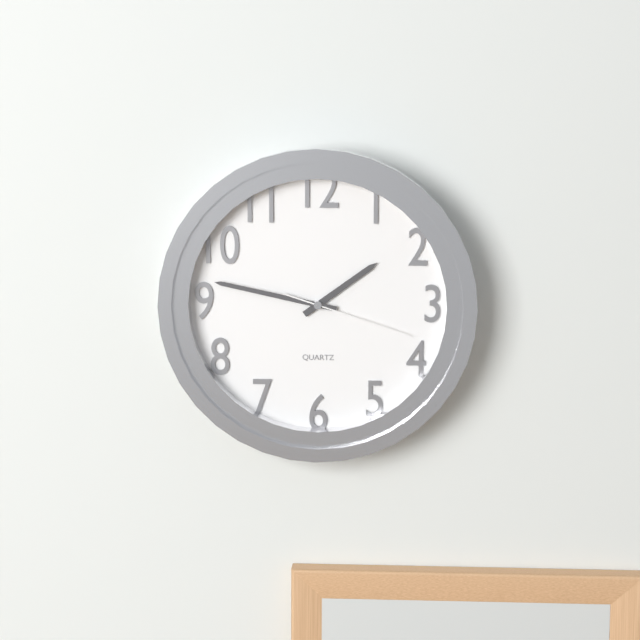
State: 1:47:18
